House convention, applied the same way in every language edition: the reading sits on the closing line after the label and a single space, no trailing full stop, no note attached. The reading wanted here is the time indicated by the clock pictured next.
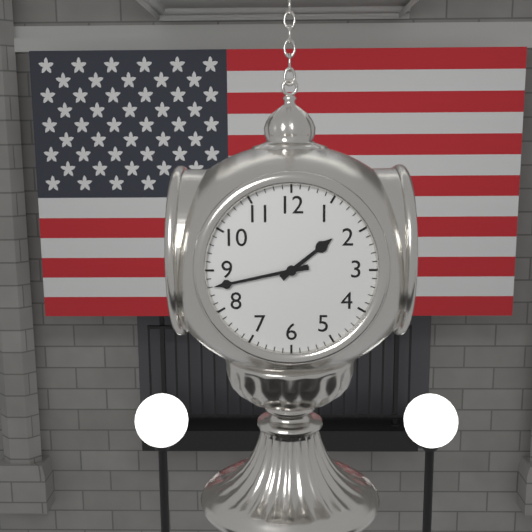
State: 1:43
